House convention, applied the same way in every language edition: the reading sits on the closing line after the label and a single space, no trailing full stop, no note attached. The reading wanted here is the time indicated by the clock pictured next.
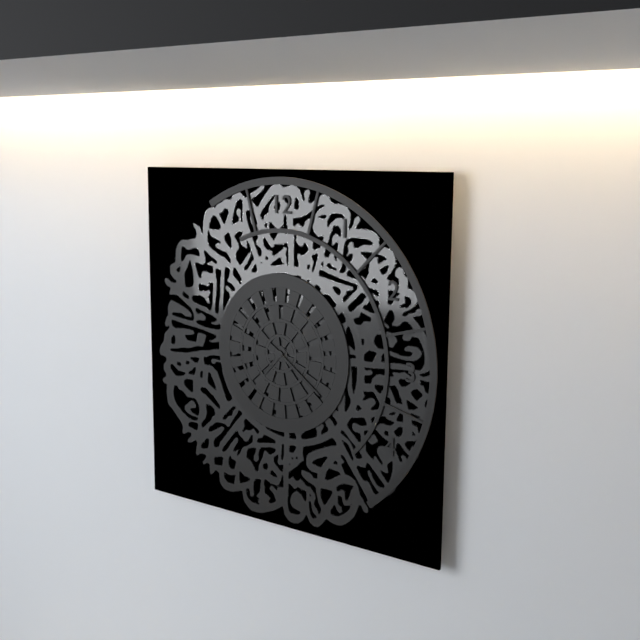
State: 7:21
